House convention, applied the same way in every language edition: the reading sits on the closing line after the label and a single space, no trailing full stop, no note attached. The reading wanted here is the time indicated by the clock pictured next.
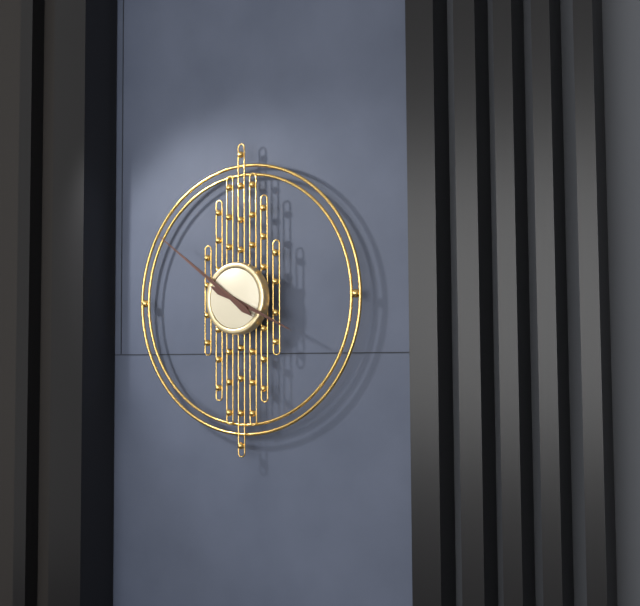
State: 3:51
